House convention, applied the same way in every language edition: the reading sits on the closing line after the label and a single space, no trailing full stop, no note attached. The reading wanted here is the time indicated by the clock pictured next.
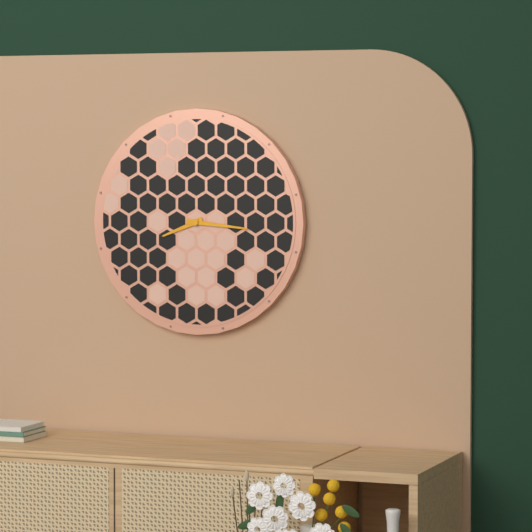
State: 8:16
